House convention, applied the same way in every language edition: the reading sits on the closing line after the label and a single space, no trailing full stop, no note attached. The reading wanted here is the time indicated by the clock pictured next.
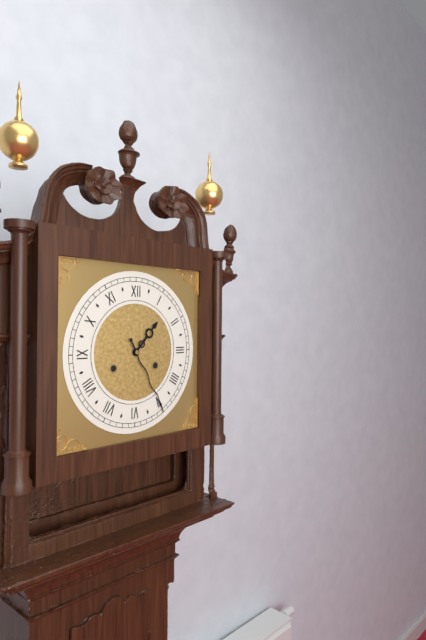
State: 1:25
